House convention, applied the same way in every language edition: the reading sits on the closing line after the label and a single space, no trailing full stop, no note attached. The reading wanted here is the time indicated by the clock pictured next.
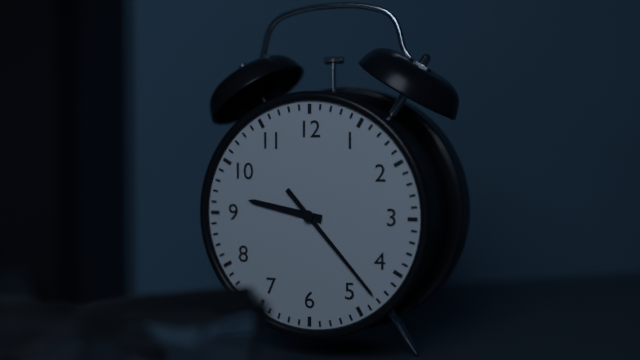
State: 9:23
